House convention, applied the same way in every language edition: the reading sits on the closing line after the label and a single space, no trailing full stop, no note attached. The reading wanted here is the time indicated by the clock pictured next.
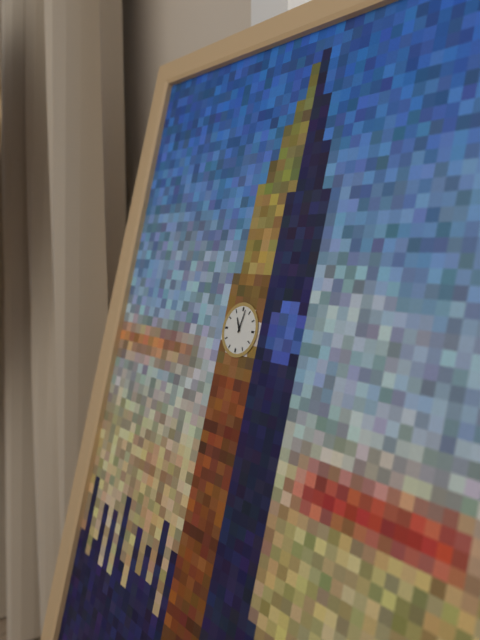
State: 11:02
